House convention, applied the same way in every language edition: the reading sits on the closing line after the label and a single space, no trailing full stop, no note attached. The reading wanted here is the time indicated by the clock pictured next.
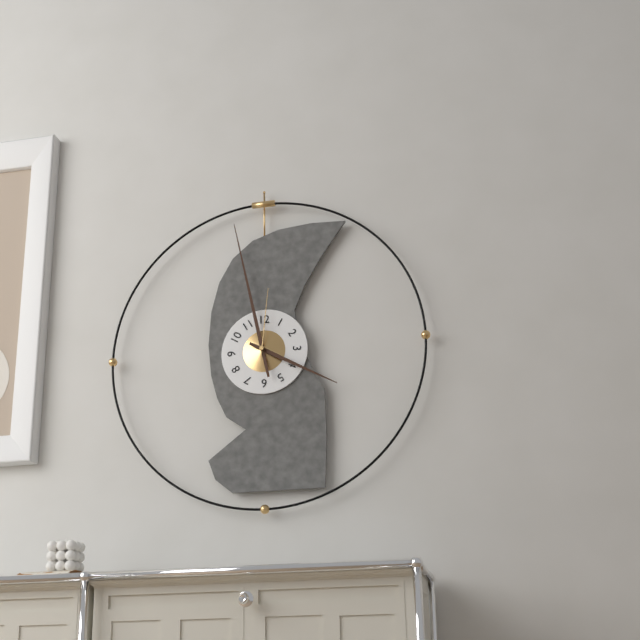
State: 3:58:01
